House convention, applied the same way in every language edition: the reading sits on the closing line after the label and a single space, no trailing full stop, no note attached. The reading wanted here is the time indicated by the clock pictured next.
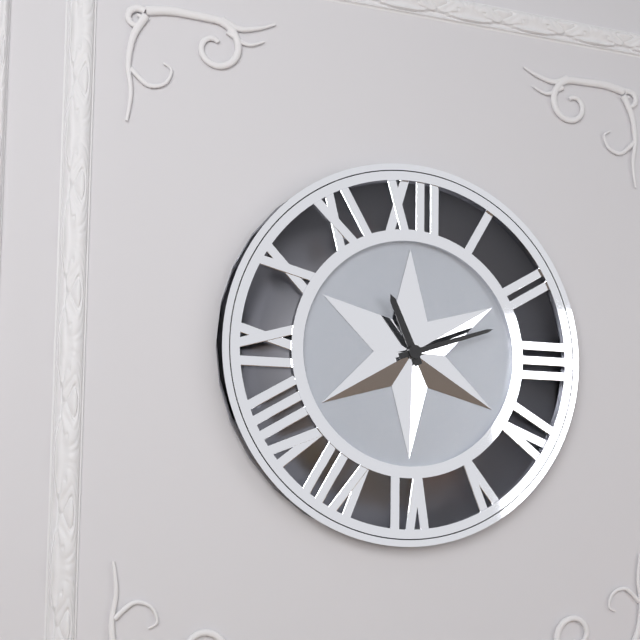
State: 11:12
